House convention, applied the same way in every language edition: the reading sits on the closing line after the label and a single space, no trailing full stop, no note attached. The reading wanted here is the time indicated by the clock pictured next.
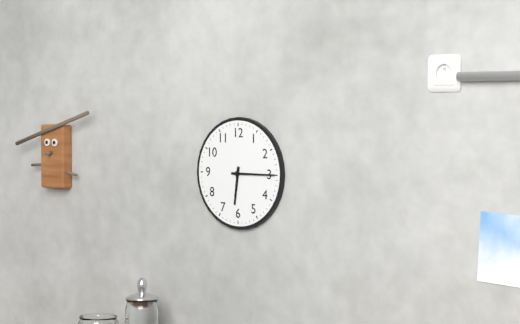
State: 6:15
